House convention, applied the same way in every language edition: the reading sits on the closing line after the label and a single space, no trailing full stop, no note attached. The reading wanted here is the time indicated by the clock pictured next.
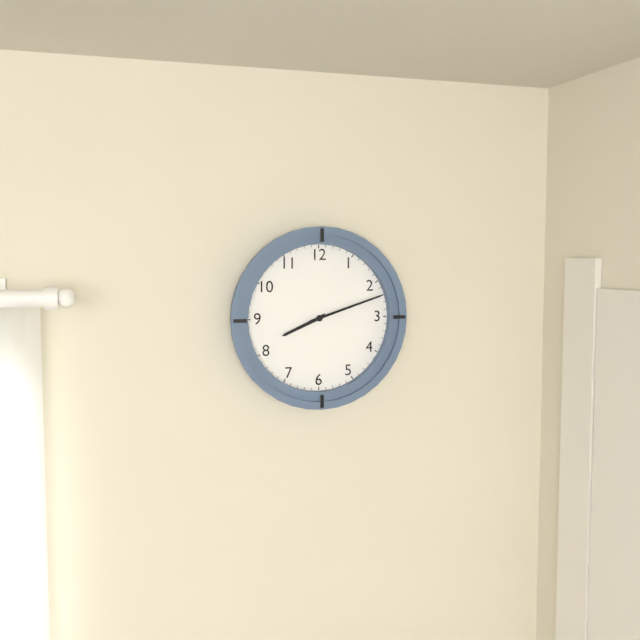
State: 8:12
